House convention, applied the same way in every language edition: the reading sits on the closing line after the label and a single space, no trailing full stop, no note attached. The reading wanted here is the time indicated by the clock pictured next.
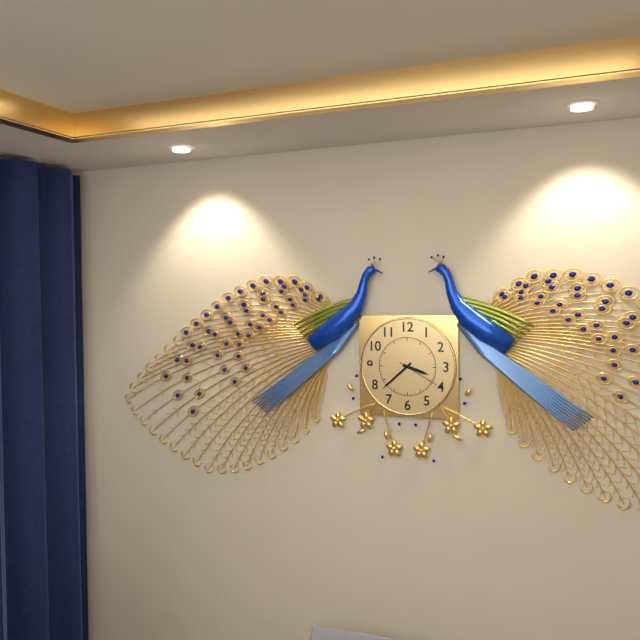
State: 3:38
